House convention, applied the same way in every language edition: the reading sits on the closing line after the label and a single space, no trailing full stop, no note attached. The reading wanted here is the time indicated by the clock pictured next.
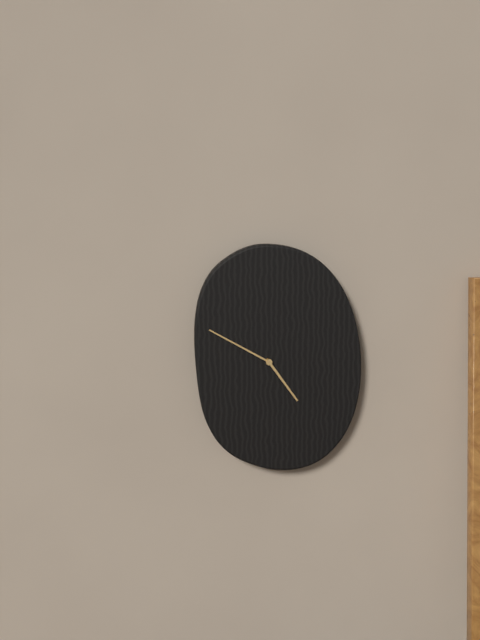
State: 4:50
